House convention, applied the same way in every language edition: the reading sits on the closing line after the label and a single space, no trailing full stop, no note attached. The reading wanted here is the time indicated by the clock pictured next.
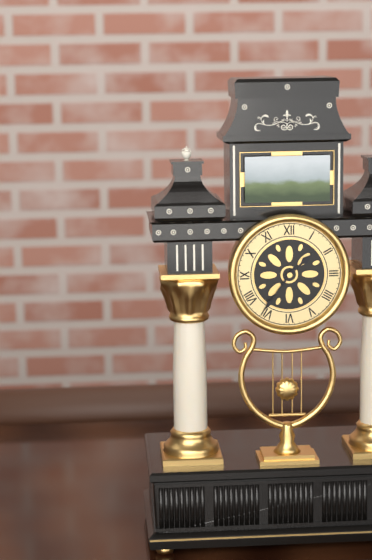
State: 1:36
